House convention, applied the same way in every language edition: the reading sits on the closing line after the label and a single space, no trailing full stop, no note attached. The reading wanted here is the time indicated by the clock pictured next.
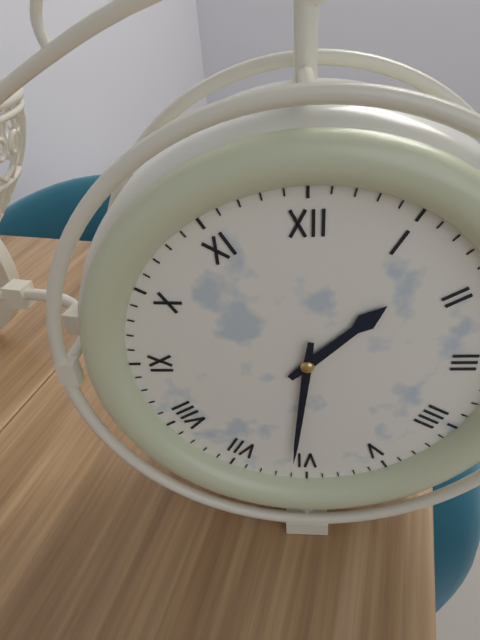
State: 1:31
